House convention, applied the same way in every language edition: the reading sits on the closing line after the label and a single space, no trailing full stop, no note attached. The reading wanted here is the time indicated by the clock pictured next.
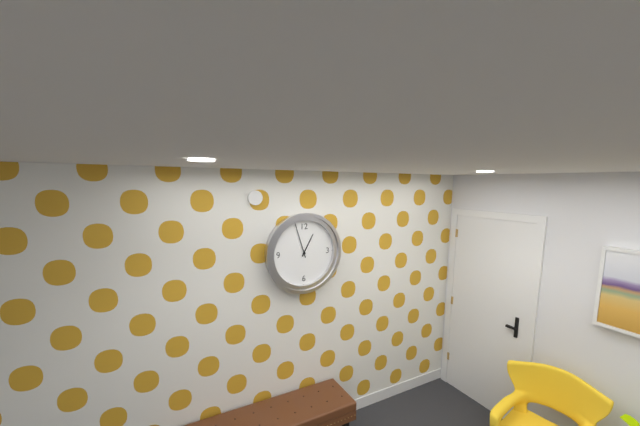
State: 12:57
